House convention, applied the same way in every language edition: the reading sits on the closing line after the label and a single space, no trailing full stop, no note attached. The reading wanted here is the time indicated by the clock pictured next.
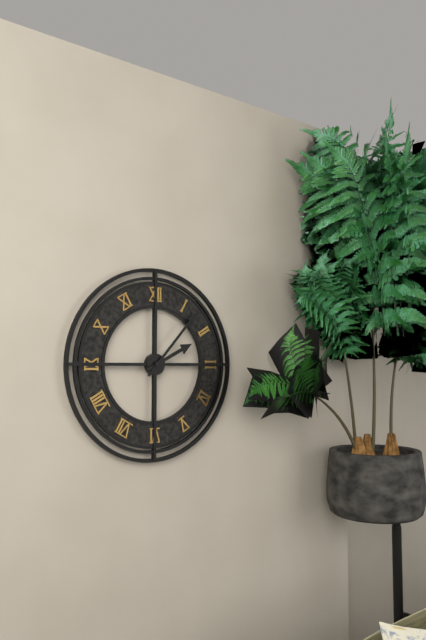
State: 2:07
